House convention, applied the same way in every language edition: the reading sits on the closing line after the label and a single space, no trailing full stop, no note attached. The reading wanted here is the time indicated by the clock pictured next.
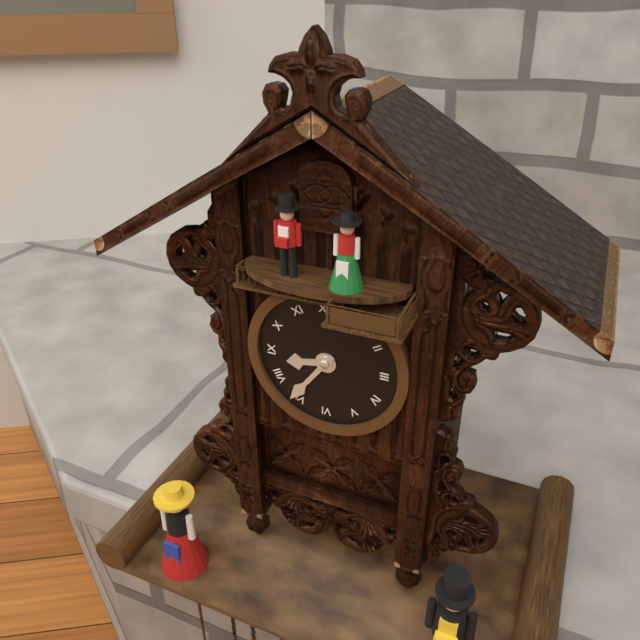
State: 8:36
